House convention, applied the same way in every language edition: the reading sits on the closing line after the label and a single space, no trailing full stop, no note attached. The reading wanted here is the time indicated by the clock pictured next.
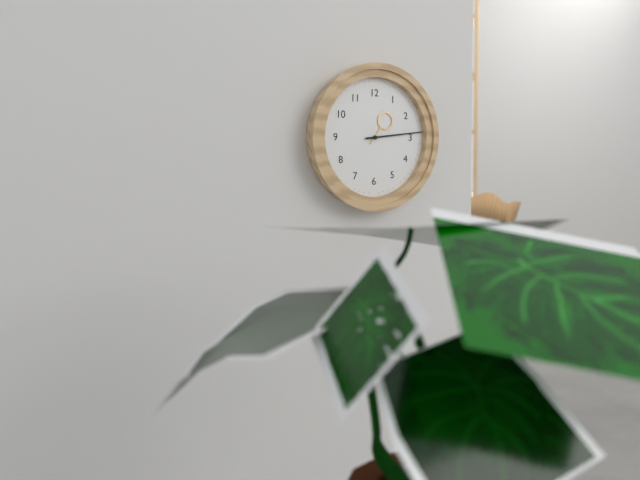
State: 1:14
